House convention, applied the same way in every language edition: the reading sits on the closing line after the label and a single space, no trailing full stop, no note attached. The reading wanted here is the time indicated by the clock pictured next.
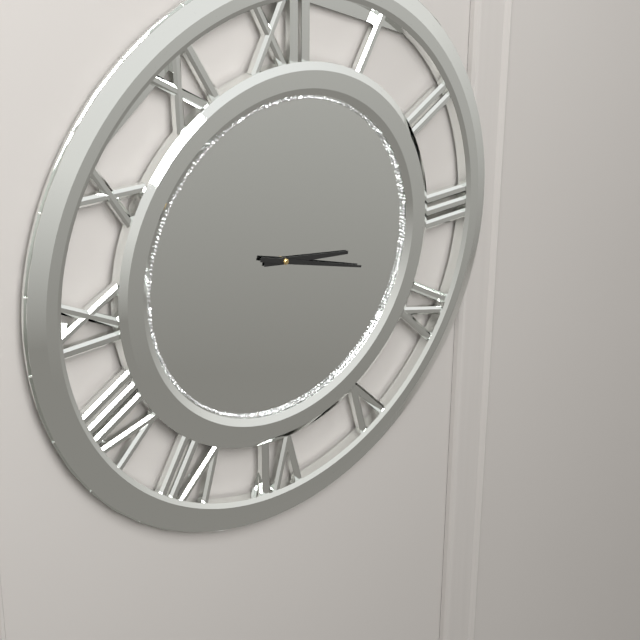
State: 3:18
